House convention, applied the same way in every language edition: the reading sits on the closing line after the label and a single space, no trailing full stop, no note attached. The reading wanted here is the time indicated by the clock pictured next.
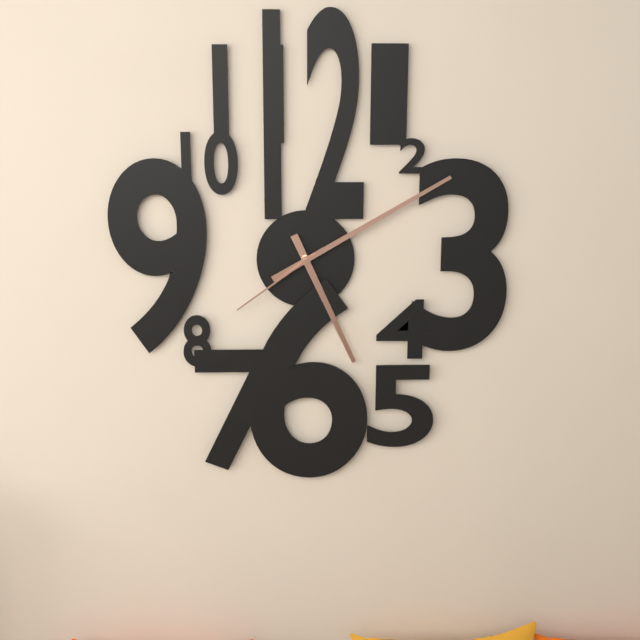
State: 5:10:39
